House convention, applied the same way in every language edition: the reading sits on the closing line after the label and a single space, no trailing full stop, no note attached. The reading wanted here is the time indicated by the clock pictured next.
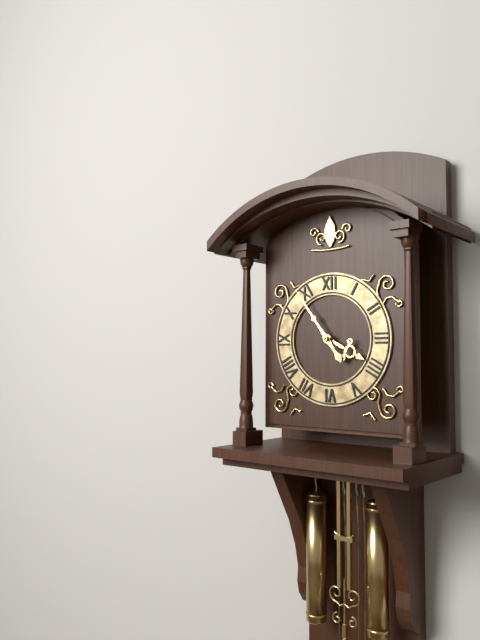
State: 3:54
